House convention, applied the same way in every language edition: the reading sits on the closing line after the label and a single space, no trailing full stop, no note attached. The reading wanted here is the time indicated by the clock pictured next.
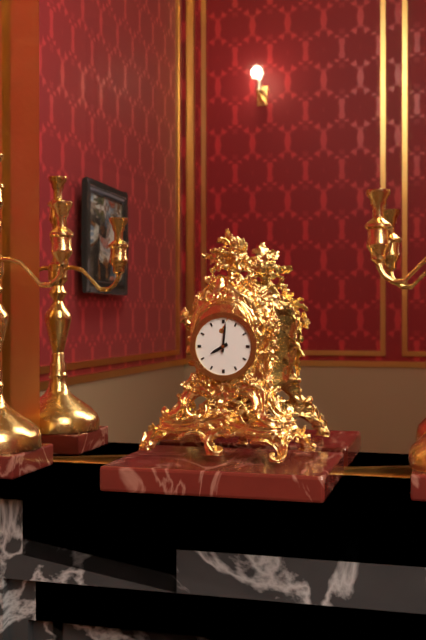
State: 8:01
